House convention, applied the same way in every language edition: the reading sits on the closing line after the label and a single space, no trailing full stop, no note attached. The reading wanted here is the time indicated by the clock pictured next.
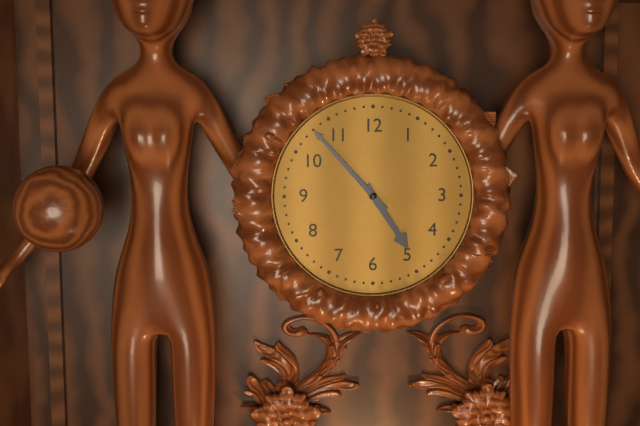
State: 4:53
